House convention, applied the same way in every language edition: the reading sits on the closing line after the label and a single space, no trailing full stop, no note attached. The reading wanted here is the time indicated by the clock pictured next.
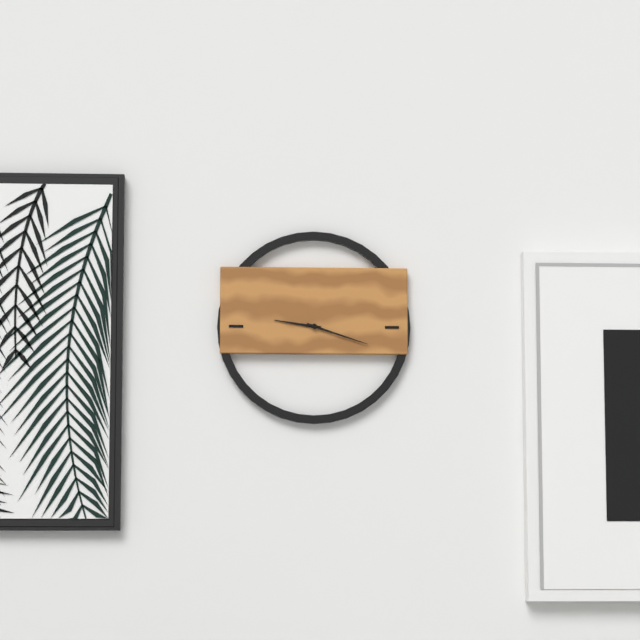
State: 9:18
